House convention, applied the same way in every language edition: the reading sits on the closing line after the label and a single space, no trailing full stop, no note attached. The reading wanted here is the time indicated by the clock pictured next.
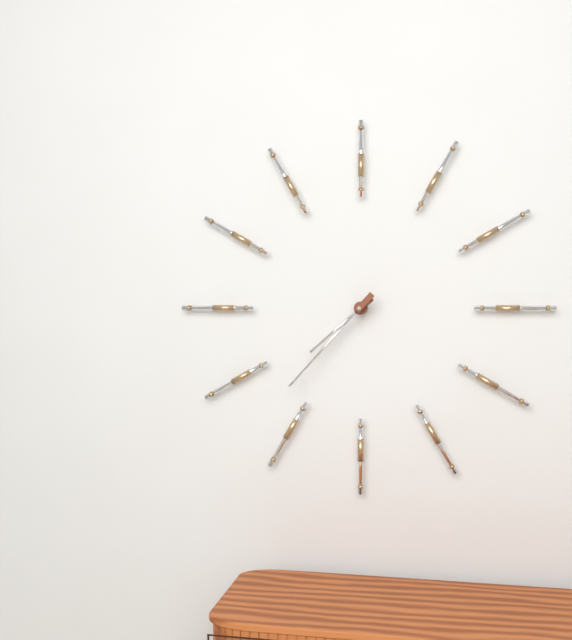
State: 7:37
